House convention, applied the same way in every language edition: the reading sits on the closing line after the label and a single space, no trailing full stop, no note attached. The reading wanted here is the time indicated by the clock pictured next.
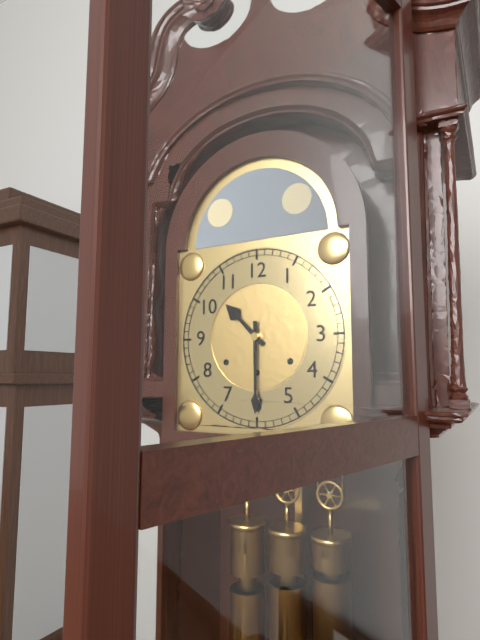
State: 10:30
